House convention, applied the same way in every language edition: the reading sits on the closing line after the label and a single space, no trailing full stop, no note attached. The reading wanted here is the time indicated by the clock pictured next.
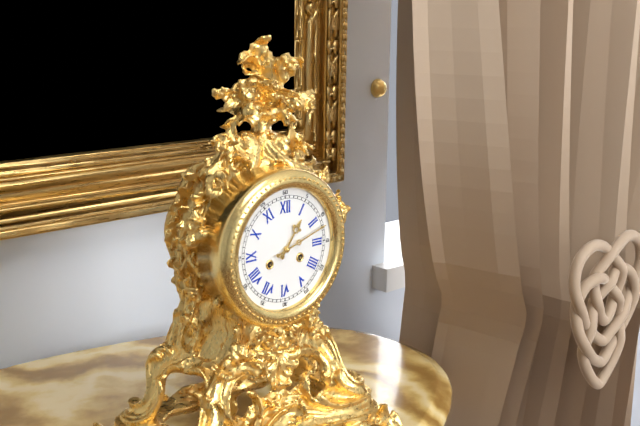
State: 1:12
